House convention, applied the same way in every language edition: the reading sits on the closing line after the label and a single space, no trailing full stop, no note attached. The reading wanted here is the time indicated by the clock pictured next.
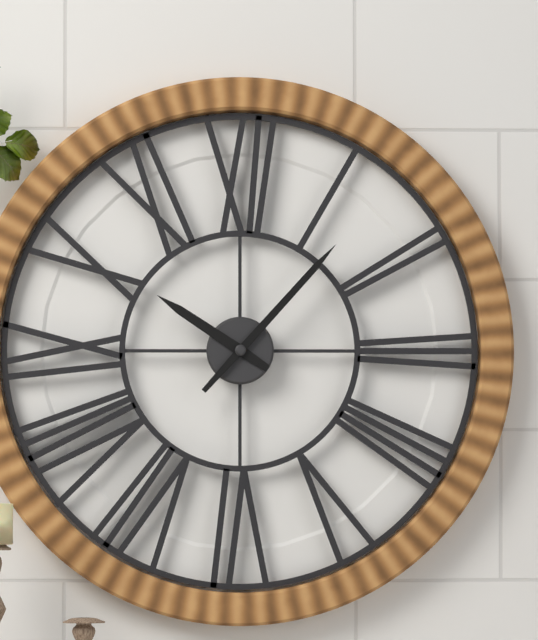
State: 10:07
